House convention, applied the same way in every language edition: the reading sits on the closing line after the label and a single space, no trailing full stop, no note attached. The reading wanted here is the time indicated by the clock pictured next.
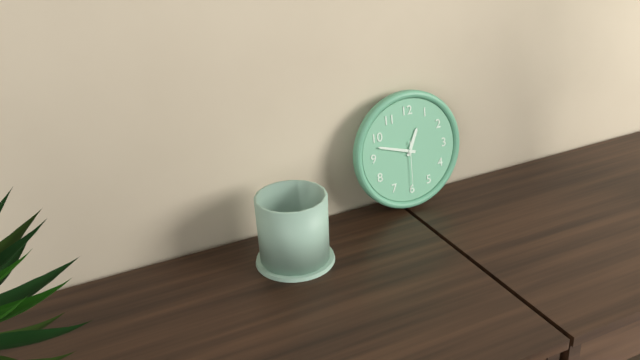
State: 12:48:30
